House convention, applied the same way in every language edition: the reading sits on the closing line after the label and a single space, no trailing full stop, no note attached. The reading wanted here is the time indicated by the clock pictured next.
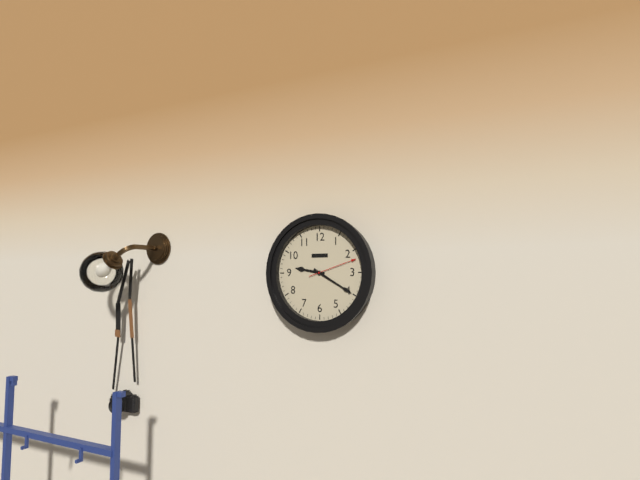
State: 9:20:12
